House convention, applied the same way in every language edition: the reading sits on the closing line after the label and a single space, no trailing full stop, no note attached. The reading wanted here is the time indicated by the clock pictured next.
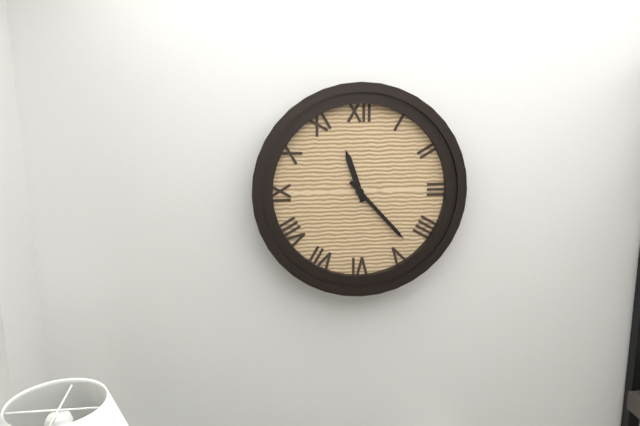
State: 11:23
